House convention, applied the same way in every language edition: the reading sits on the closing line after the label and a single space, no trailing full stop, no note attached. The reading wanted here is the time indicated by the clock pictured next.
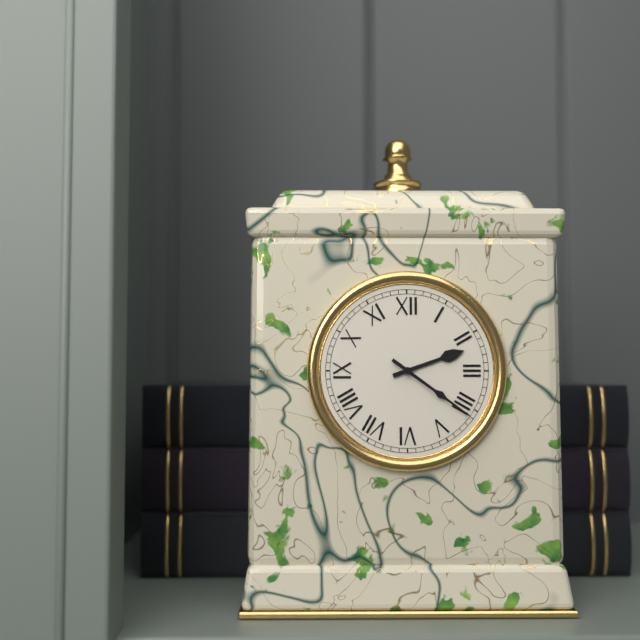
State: 2:21
